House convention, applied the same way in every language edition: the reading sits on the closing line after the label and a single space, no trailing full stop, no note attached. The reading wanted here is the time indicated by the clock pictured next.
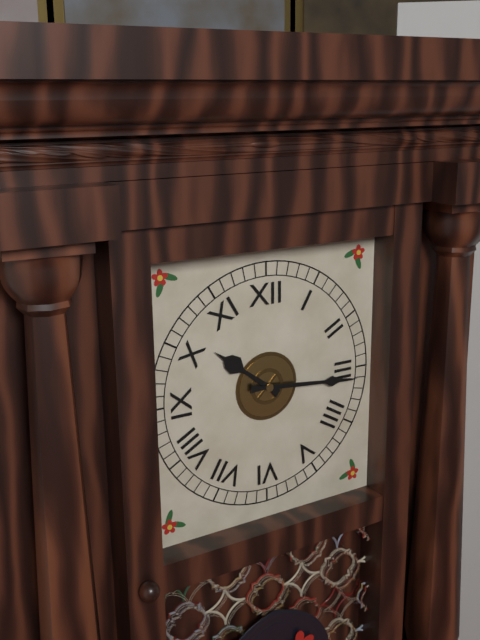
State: 10:16
